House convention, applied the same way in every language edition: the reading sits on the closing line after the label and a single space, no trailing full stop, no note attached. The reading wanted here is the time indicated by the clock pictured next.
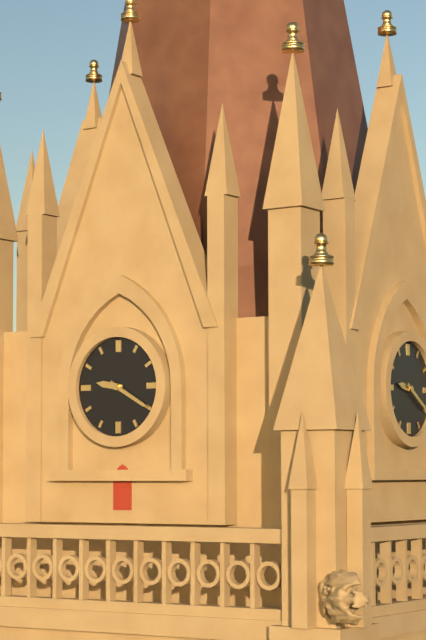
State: 9:20
